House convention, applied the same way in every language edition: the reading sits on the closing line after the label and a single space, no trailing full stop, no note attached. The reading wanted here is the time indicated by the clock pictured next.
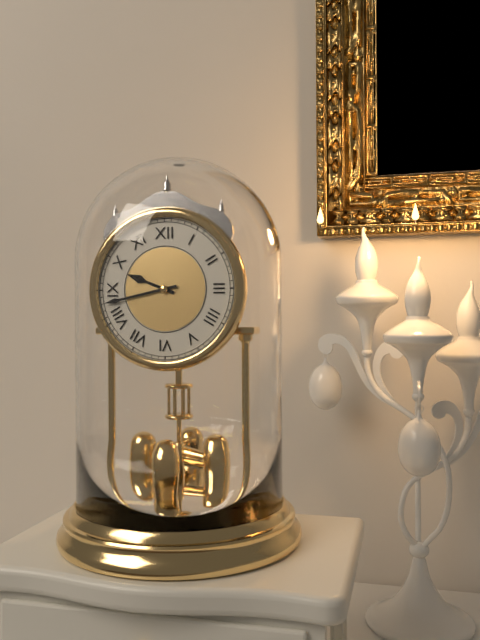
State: 9:43
